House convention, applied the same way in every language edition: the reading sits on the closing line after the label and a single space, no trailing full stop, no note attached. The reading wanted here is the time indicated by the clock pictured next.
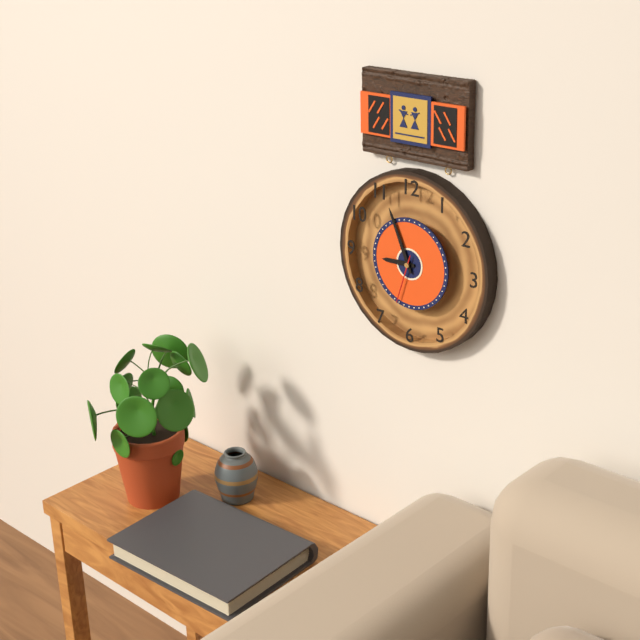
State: 8:56:33
